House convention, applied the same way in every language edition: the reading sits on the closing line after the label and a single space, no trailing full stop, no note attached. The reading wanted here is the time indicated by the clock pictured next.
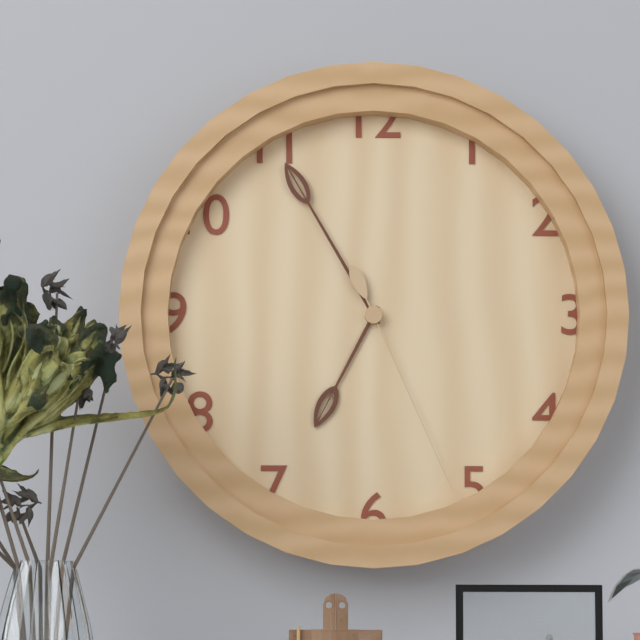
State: 6:55:26
